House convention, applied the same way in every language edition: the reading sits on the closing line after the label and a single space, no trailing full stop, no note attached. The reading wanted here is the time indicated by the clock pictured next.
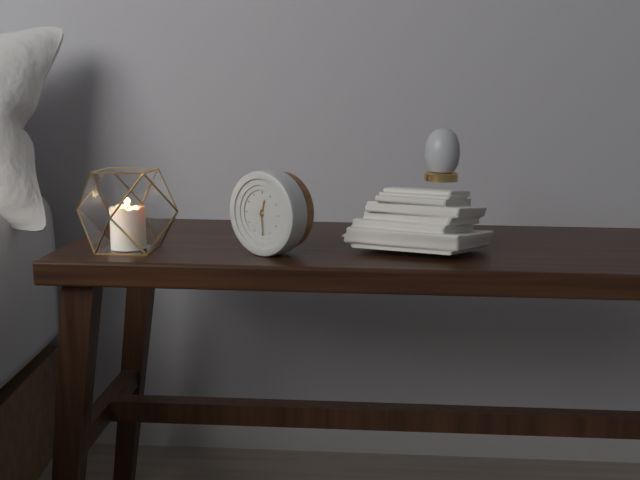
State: 12:29
